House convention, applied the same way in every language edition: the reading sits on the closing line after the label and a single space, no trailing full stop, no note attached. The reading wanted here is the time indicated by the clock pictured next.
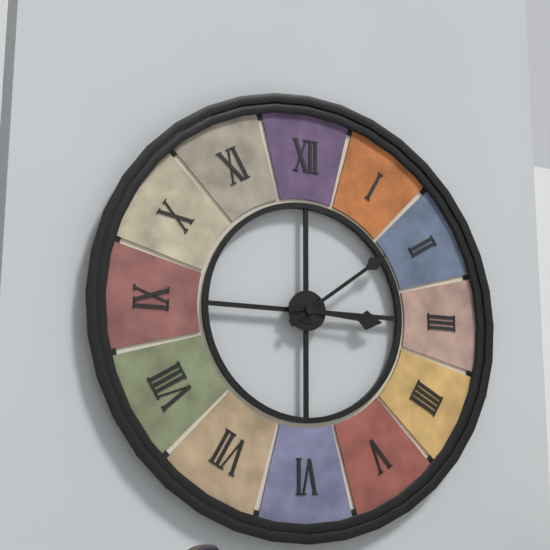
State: 3:09
